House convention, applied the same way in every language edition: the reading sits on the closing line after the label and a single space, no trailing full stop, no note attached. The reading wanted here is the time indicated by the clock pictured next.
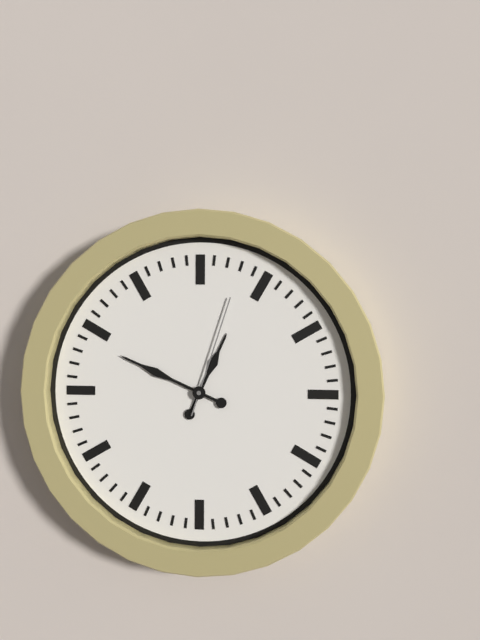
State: 12:49:03
